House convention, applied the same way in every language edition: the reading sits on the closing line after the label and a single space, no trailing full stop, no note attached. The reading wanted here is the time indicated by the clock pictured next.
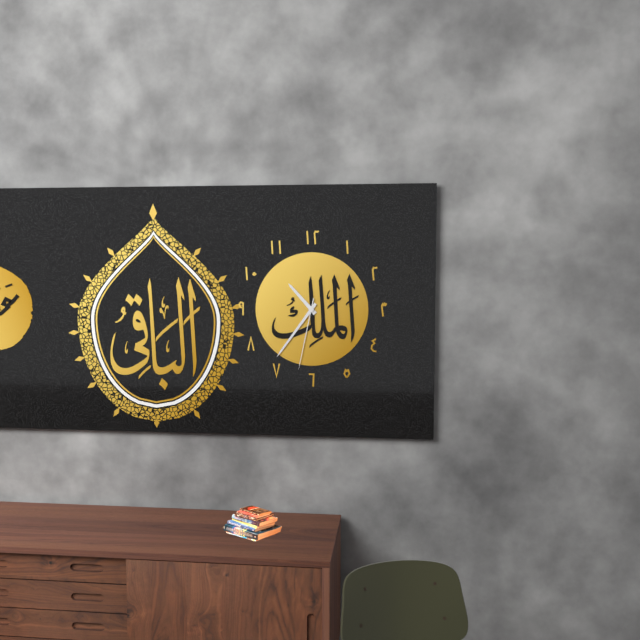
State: 10:36:32
